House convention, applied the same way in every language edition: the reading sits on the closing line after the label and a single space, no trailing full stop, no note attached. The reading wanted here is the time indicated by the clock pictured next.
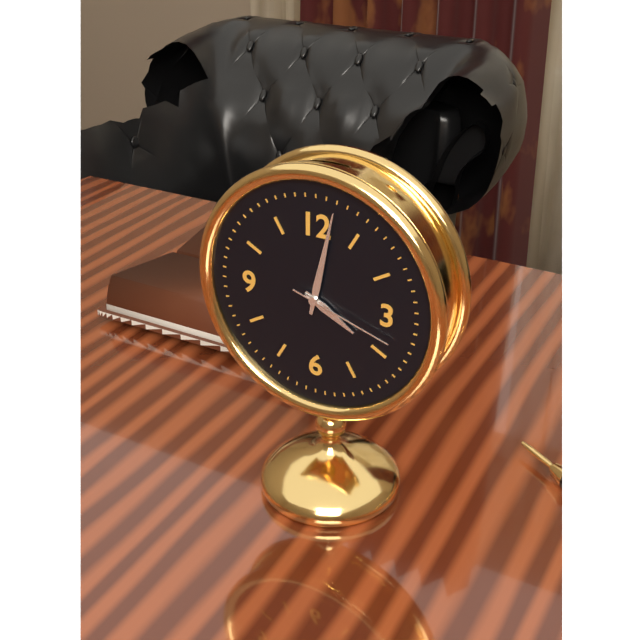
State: 4:02:18
